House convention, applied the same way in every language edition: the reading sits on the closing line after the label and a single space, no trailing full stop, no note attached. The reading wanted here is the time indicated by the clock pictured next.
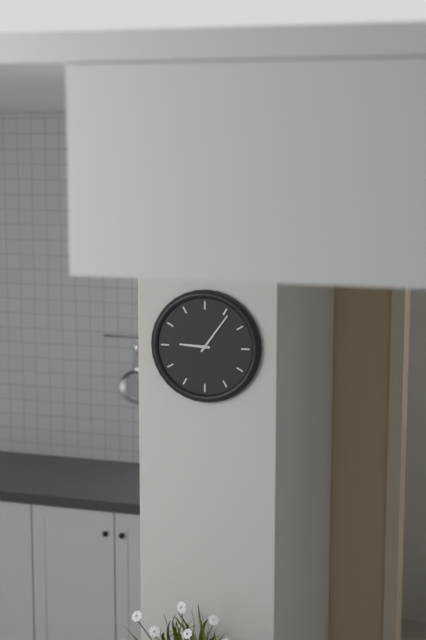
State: 9:06
